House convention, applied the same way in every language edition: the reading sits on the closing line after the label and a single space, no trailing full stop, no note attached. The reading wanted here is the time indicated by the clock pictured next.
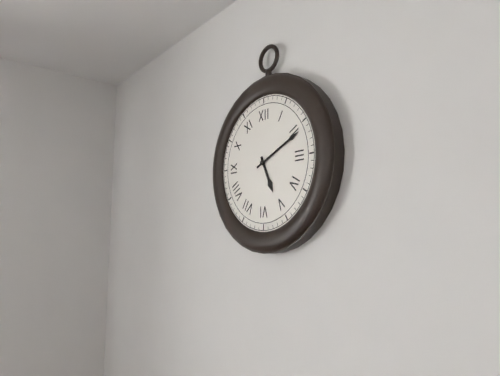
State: 5:11
